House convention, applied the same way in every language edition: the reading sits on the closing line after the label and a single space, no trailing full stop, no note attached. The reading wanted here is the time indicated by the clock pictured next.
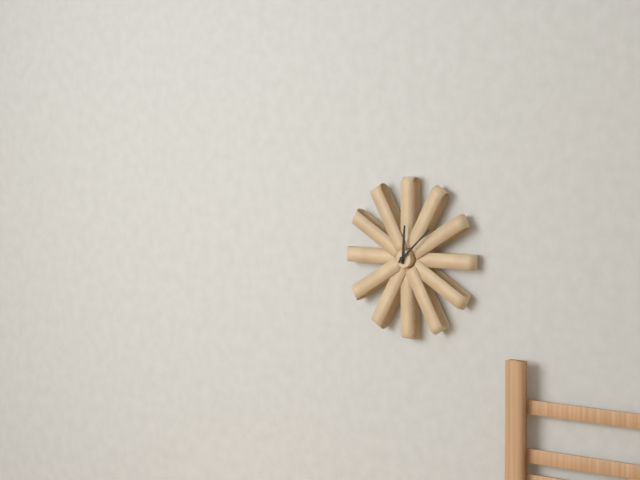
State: 12:08
